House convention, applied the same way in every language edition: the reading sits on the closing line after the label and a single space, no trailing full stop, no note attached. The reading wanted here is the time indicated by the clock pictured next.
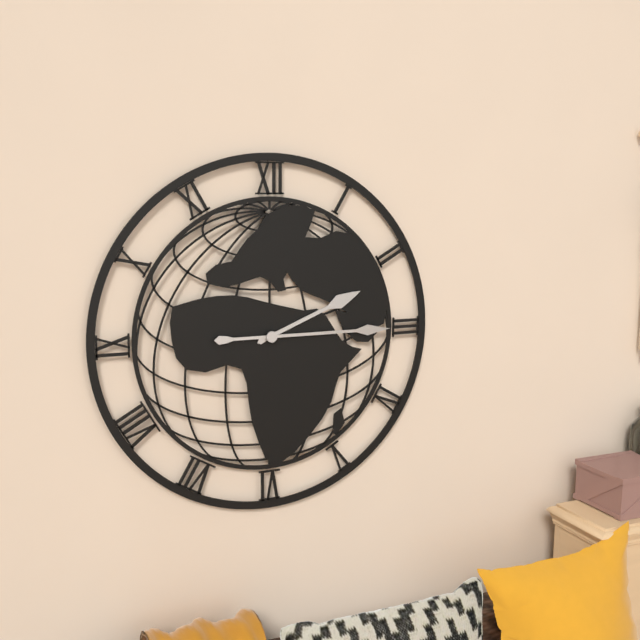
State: 2:15
